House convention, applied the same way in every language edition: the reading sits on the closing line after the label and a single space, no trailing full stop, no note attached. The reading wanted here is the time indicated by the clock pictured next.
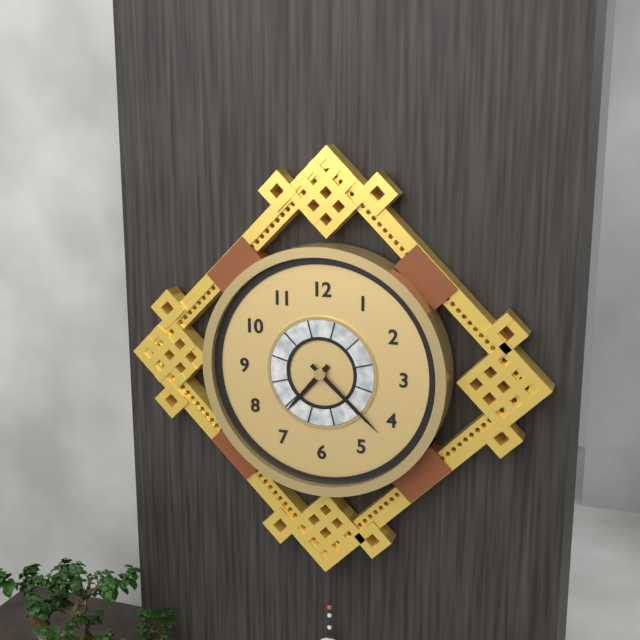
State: 7:22
